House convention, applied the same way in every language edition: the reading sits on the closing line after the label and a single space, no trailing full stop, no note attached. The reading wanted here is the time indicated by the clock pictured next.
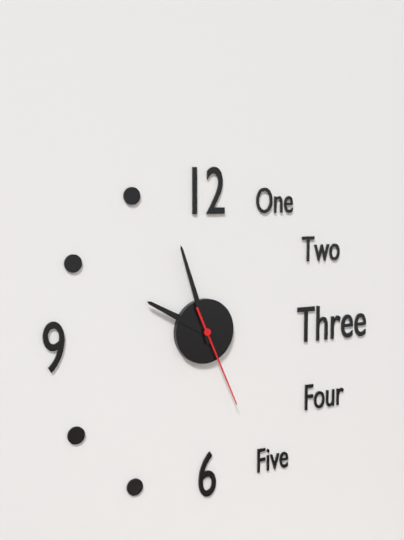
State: 9:57:26
